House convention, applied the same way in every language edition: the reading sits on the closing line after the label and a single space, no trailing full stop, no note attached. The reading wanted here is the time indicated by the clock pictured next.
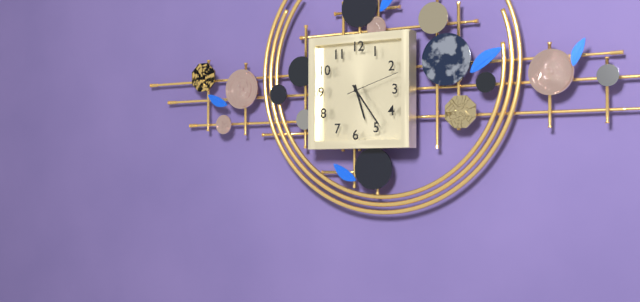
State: 5:24:12
